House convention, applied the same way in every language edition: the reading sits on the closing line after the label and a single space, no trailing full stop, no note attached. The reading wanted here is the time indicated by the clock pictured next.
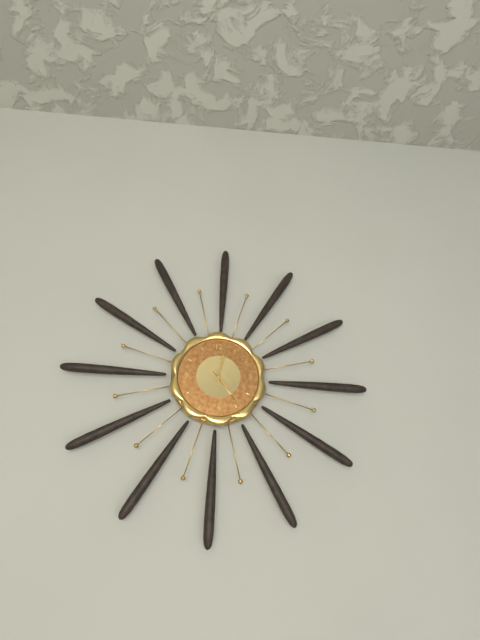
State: 12:24
